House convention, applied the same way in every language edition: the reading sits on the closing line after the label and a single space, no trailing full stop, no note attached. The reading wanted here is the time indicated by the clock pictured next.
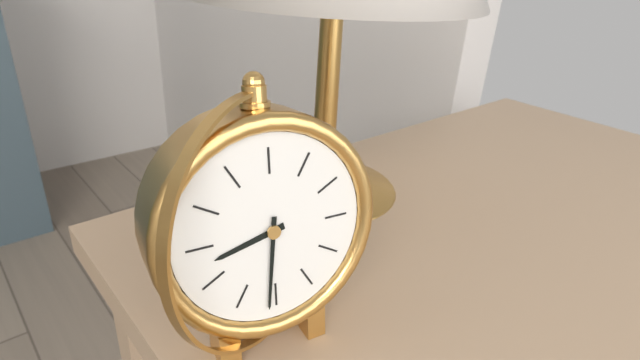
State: 8:31
